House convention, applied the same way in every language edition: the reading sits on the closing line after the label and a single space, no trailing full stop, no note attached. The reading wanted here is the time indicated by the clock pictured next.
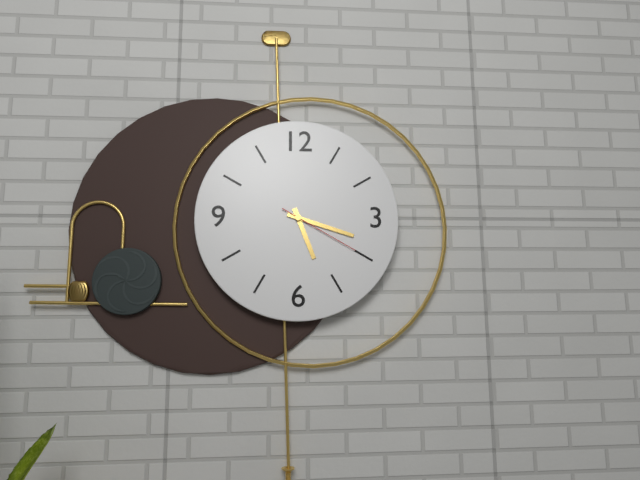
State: 5:18:20
